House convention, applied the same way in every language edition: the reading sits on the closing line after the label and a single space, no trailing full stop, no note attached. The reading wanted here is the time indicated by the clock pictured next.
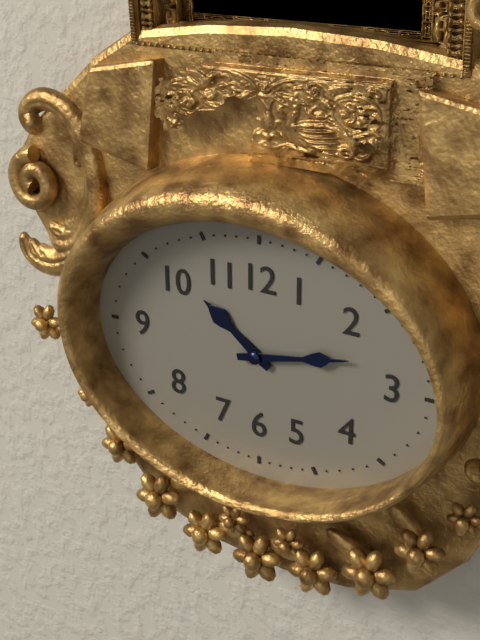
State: 10:13
